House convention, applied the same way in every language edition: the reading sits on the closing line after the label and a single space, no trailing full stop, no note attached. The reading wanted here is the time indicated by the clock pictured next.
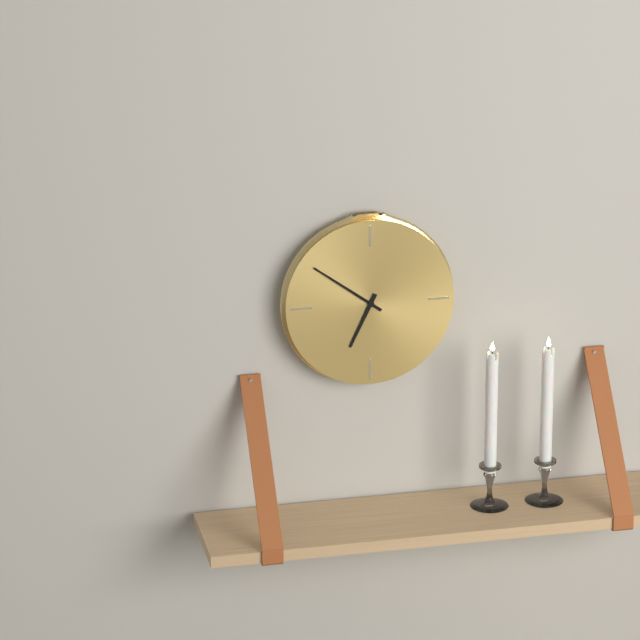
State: 6:51
